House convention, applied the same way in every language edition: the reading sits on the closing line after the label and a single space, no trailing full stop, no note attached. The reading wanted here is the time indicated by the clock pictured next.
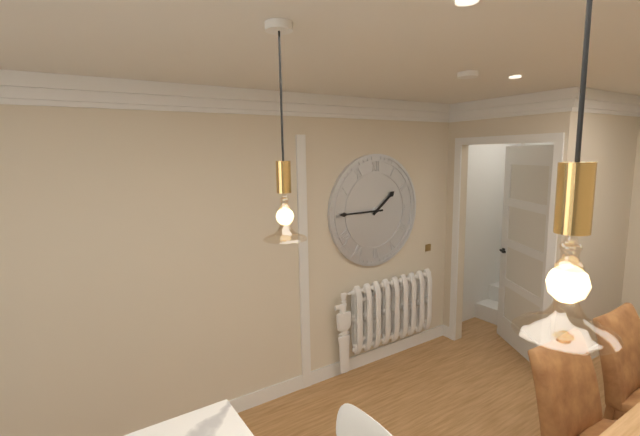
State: 1:45
